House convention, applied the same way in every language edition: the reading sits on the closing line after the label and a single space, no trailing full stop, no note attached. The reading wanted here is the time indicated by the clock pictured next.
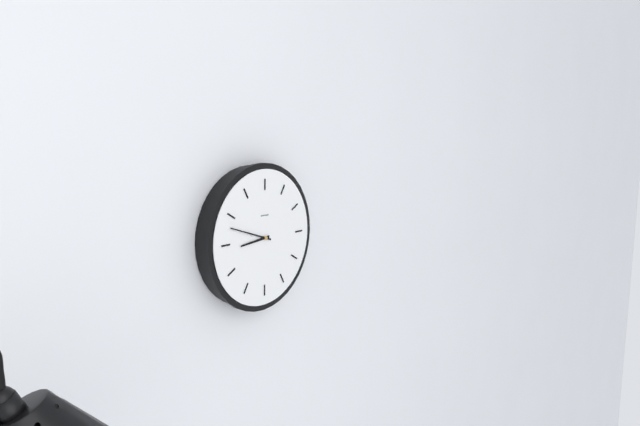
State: 8:48
